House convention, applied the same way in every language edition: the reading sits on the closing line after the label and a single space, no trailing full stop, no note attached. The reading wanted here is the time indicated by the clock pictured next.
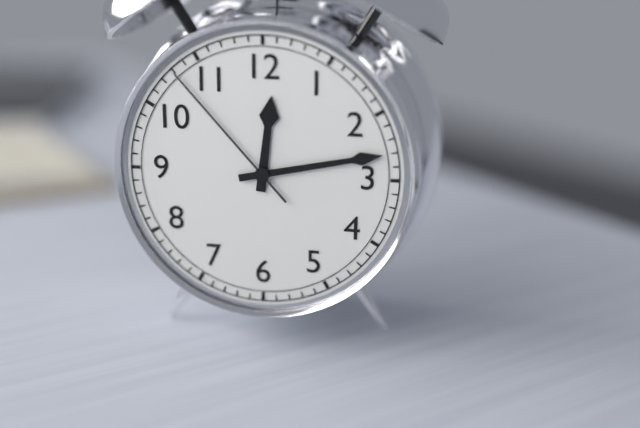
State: 12:13:53
